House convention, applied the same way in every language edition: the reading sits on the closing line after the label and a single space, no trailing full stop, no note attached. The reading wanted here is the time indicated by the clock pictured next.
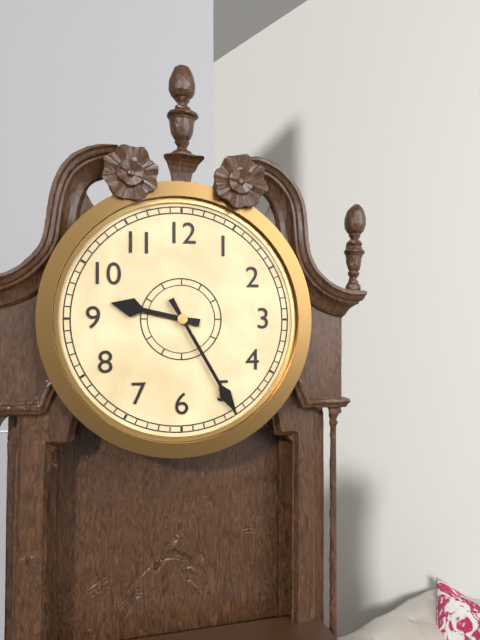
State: 9:25
